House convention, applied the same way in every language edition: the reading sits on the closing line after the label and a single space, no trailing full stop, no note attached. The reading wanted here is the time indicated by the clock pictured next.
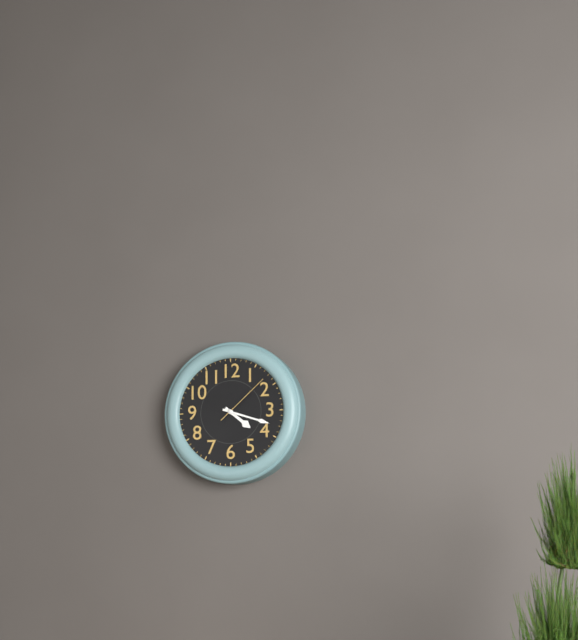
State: 4:18:08
